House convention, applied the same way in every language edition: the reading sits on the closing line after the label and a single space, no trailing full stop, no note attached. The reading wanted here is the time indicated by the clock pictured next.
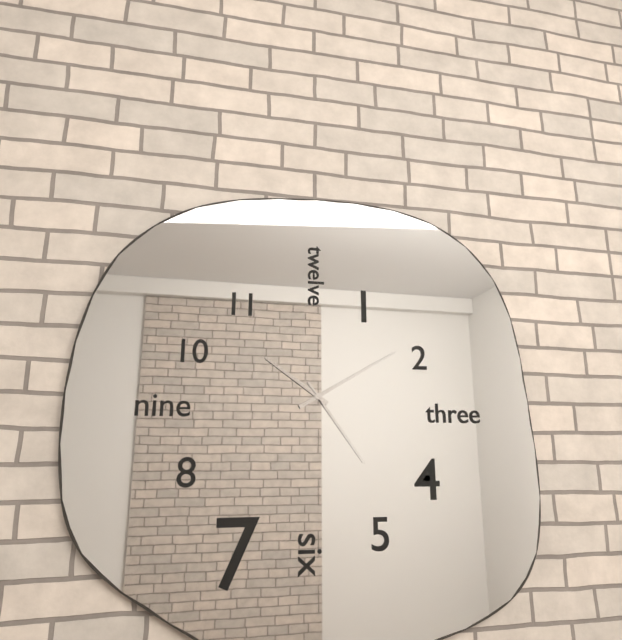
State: 10:10:24
